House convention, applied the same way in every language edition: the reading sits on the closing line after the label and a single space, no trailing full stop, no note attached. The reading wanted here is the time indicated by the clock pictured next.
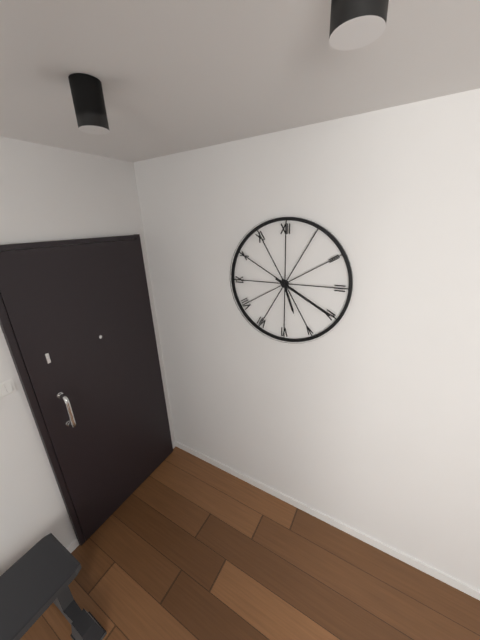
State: 5:20
